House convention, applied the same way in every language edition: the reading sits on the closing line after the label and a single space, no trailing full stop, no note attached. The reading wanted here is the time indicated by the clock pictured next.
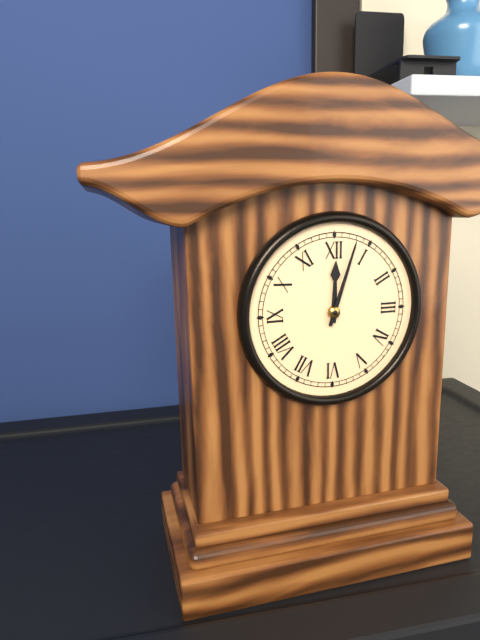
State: 12:03
